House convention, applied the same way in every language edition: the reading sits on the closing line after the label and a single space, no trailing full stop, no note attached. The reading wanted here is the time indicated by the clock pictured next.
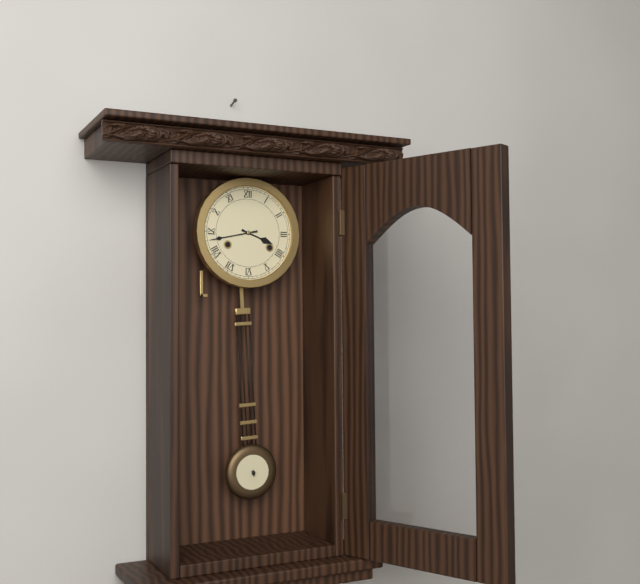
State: 3:43
